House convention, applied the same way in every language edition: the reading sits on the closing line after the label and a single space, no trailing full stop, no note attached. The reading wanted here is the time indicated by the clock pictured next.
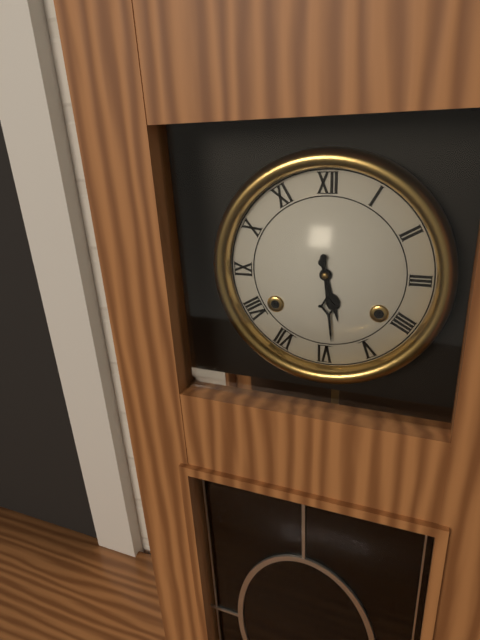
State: 5:29
